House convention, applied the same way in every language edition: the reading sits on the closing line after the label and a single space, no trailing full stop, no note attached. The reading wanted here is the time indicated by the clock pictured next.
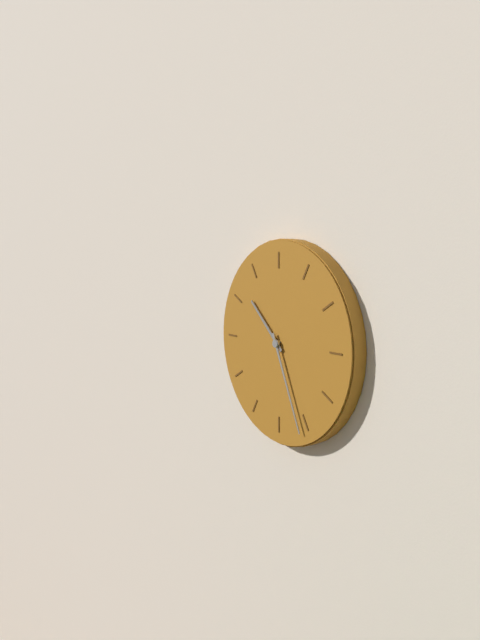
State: 10:26
